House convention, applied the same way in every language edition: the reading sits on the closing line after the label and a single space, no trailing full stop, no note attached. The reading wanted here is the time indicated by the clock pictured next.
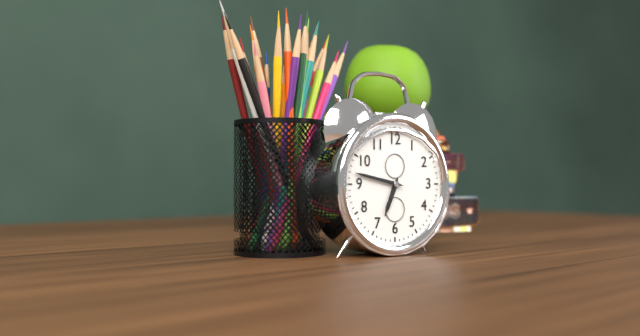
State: 6:47
